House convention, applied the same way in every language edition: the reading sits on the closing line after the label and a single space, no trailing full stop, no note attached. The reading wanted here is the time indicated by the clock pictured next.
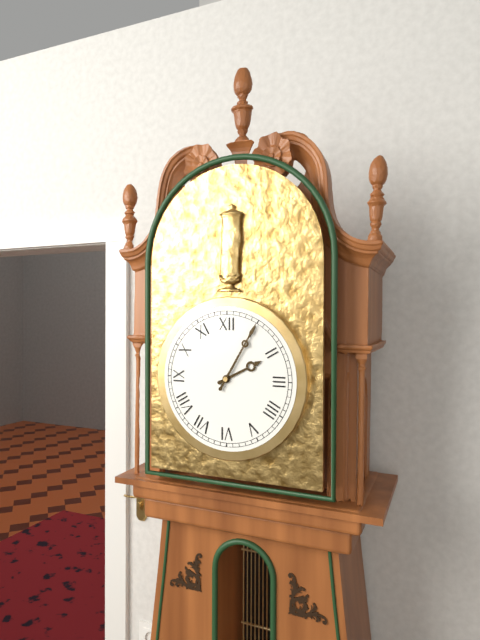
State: 2:05
